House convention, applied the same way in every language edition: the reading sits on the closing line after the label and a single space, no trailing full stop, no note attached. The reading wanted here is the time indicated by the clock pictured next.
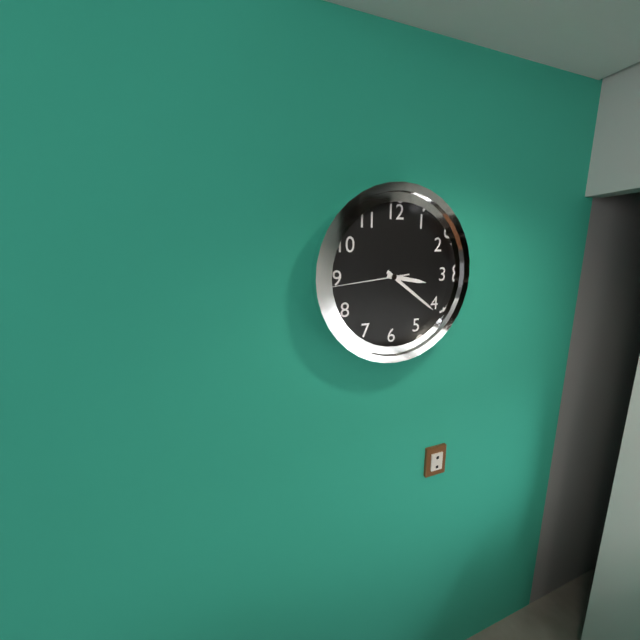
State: 3:21:44
